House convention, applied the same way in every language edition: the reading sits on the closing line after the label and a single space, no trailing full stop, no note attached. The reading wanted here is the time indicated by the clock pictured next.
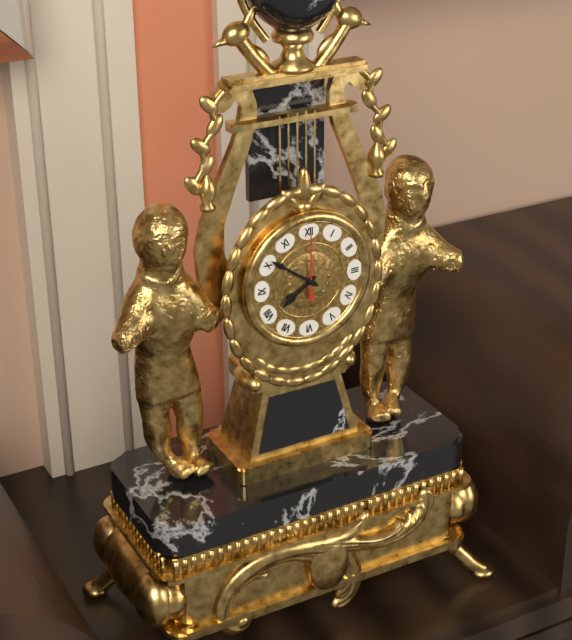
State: 7:51:00
